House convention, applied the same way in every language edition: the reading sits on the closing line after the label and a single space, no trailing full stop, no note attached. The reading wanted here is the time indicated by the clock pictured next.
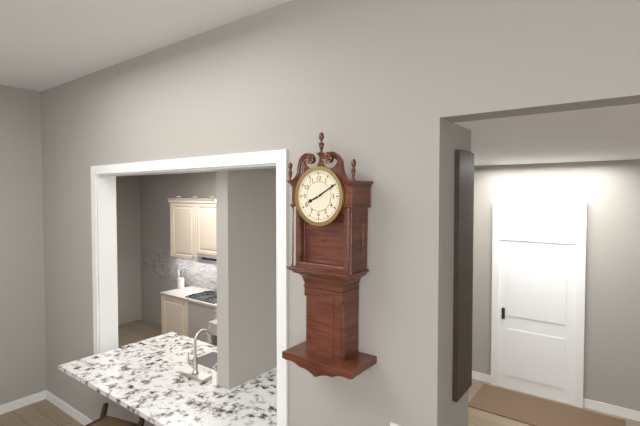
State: 8:10
